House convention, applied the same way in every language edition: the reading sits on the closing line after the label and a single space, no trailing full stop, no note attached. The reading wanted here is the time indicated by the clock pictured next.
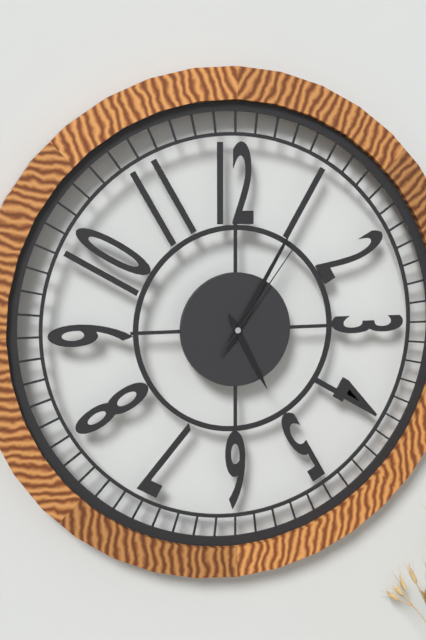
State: 5:05:06
